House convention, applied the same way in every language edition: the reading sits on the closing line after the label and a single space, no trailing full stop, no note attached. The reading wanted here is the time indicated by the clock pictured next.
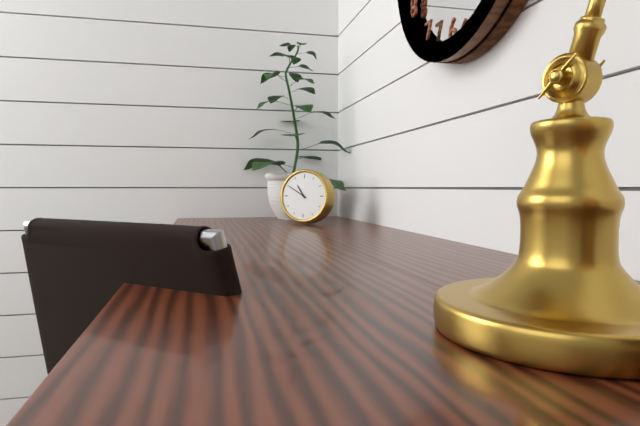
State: 10:50
